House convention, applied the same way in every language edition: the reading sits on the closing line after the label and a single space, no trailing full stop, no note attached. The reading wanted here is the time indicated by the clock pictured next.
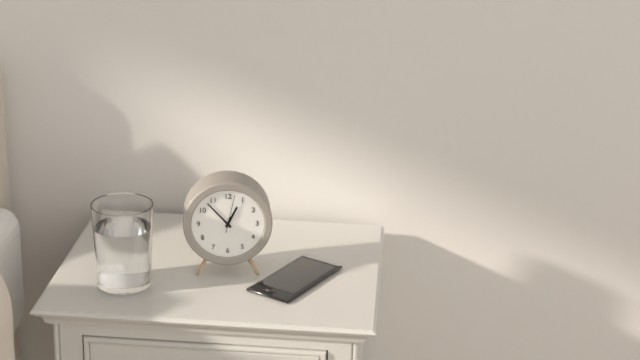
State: 12:53
